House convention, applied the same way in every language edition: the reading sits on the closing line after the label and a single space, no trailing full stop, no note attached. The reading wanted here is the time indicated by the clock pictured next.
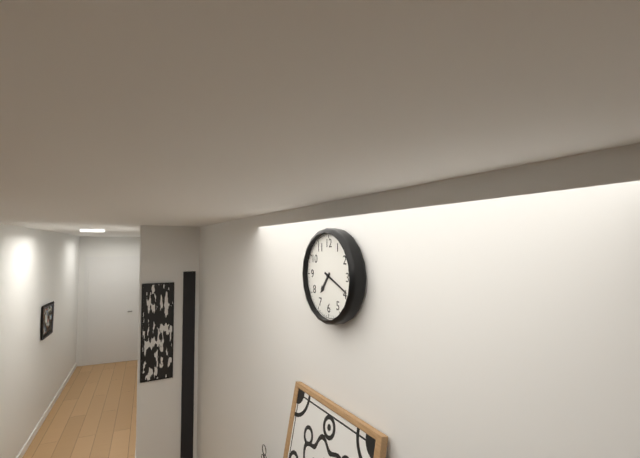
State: 7:19
